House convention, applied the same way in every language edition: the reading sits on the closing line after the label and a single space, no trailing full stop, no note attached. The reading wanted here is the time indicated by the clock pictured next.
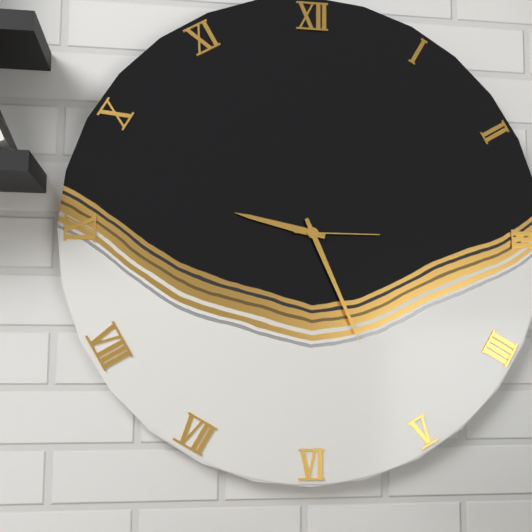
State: 9:26:15
